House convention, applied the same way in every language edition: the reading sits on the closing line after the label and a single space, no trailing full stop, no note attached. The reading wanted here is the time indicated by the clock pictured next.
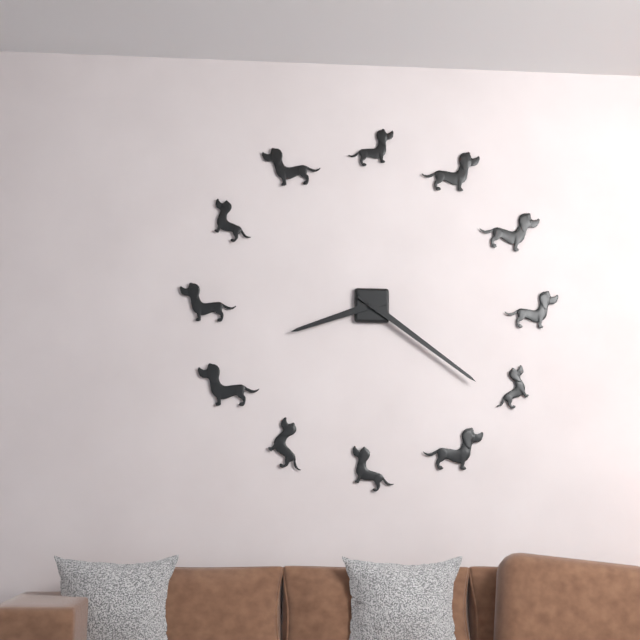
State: 8:21
